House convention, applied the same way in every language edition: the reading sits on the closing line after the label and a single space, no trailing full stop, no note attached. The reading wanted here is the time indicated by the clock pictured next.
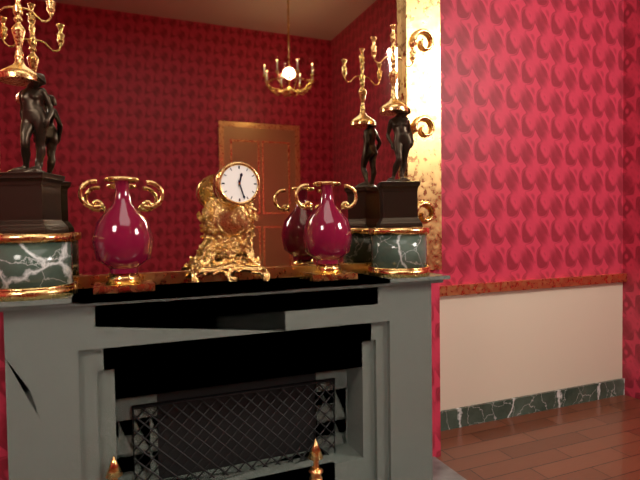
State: 12:27
